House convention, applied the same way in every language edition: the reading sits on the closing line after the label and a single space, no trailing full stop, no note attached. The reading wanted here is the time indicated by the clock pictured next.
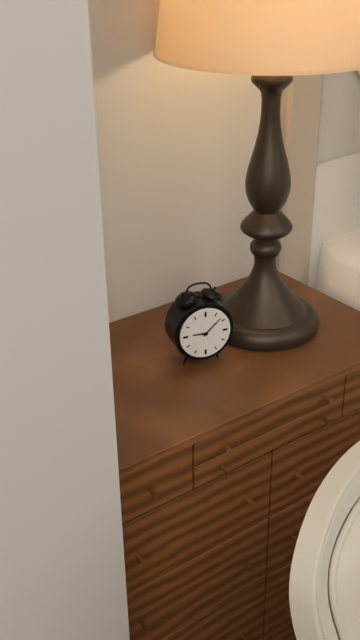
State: 9:08
